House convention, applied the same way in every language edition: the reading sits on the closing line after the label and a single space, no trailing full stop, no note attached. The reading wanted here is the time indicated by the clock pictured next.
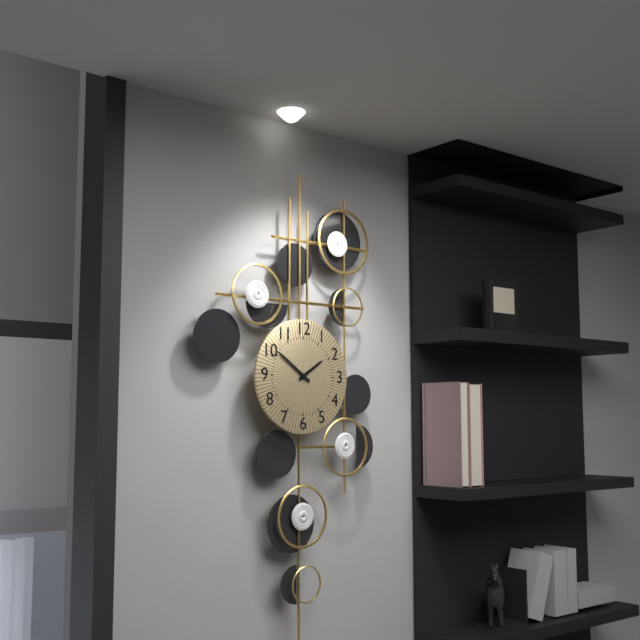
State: 1:51
